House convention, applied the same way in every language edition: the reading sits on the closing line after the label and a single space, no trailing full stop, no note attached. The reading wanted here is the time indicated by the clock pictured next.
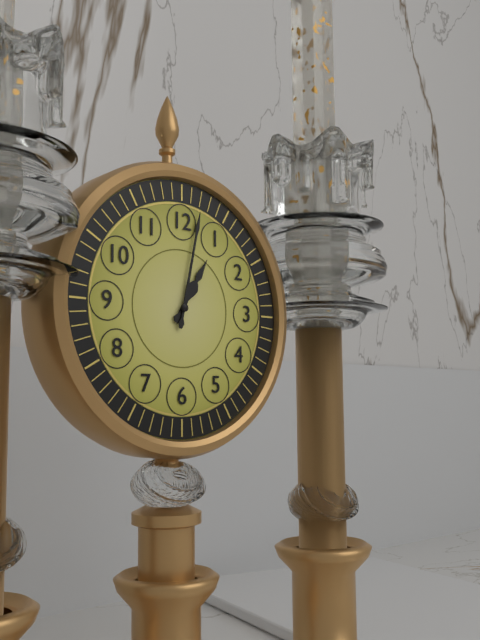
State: 1:02
